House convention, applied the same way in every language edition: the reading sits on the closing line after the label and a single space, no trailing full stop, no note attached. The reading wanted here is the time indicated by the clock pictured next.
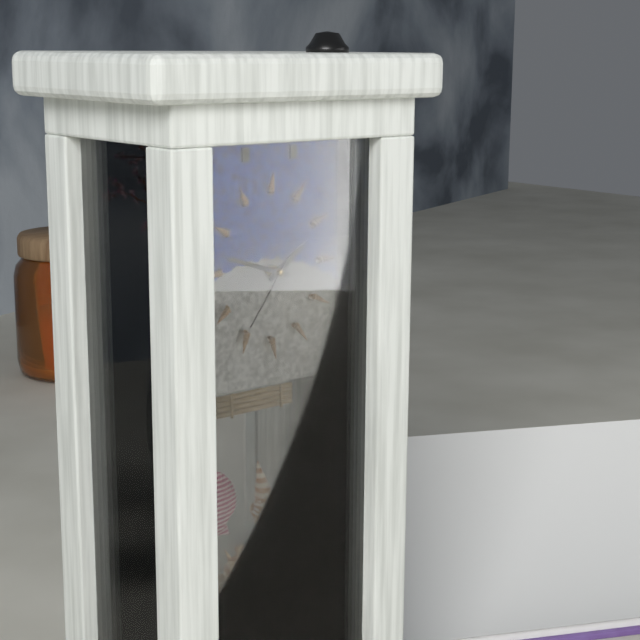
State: 1:48:36
